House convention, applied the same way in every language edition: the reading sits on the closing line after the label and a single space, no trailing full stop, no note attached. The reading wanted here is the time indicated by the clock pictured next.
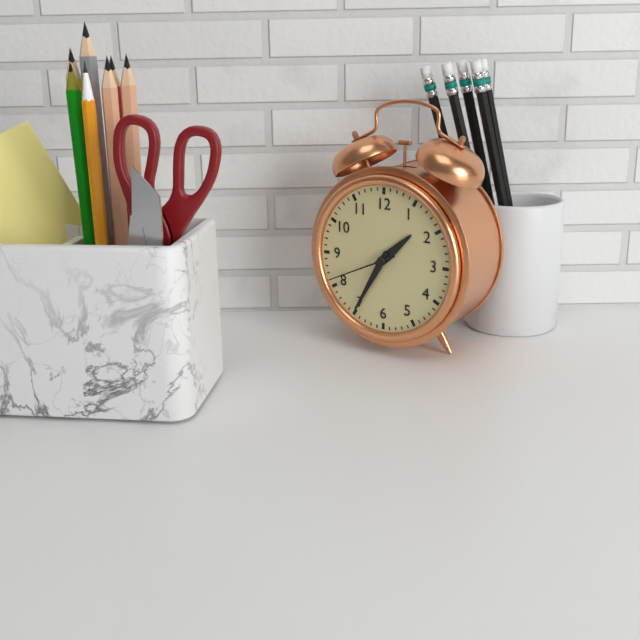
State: 1:35:41
